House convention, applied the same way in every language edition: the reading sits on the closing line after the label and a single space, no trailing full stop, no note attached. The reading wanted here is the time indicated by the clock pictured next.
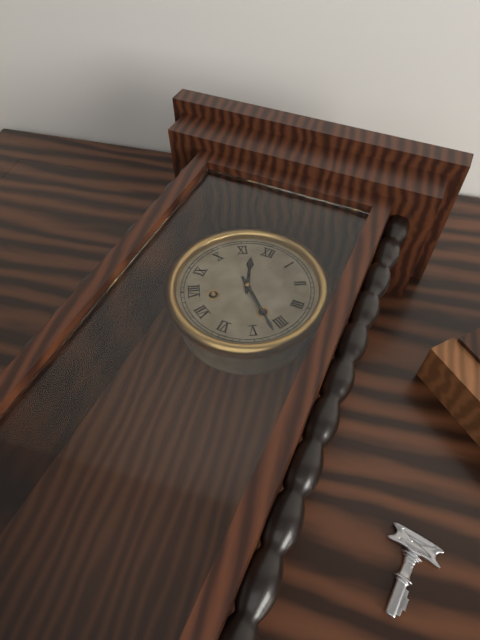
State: 11:22
